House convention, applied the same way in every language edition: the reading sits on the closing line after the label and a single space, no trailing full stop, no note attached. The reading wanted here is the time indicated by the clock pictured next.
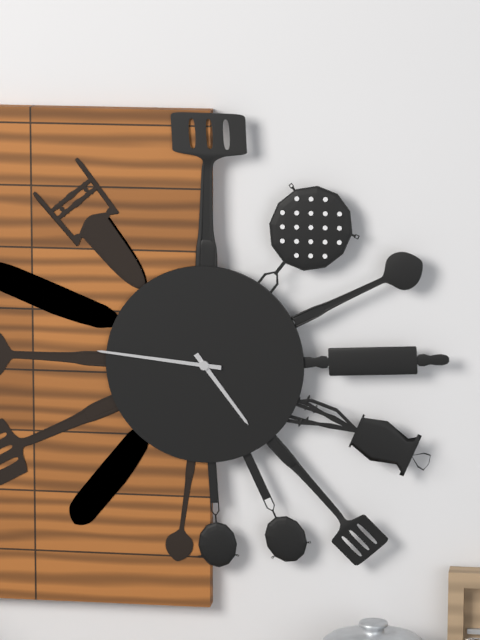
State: 4:46
